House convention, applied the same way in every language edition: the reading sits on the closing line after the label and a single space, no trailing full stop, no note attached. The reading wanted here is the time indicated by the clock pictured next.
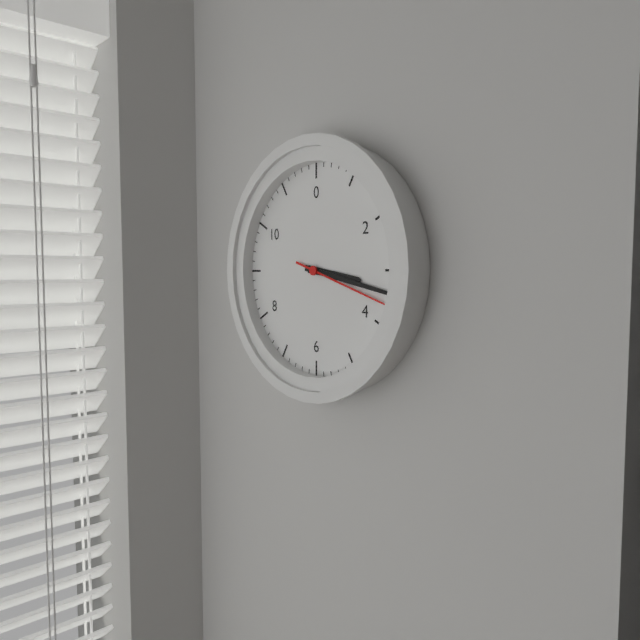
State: 3:17:18
